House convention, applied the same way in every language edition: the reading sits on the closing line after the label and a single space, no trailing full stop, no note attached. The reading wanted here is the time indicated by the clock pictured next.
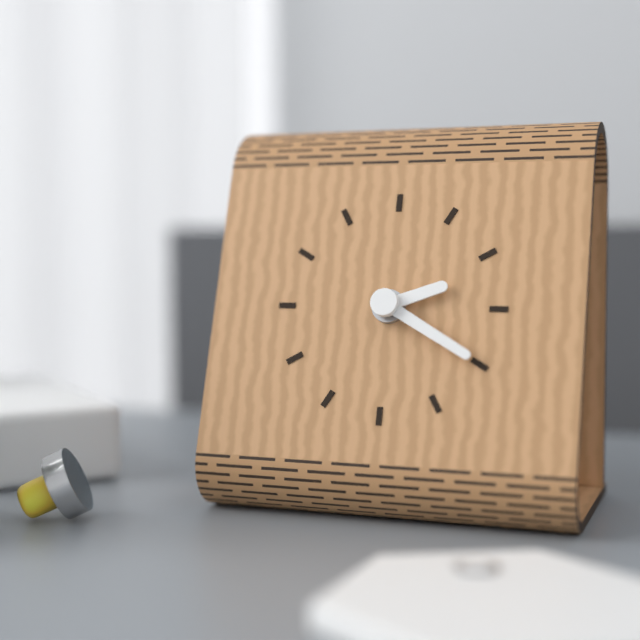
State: 2:20
